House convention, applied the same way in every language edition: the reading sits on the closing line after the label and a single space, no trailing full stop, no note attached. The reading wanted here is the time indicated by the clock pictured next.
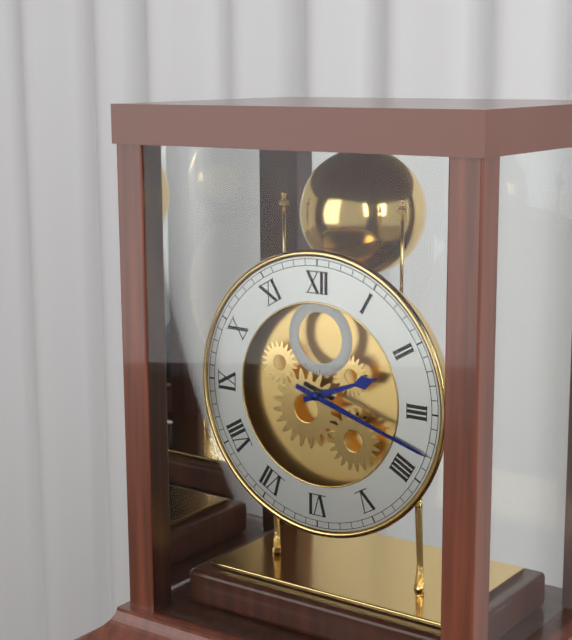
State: 2:18
